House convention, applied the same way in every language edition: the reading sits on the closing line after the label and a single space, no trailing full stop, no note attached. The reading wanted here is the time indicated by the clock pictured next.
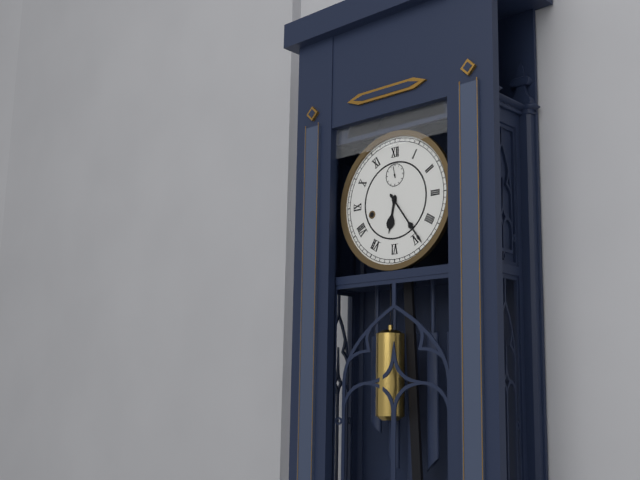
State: 6:24
